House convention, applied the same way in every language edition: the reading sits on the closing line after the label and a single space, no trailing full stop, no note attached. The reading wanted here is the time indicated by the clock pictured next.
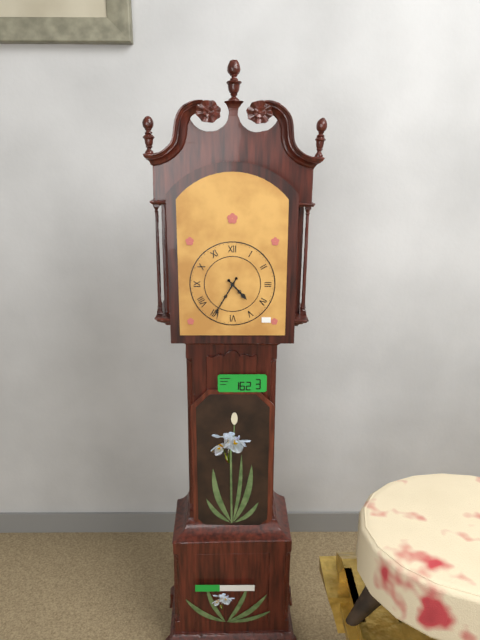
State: 4:35
